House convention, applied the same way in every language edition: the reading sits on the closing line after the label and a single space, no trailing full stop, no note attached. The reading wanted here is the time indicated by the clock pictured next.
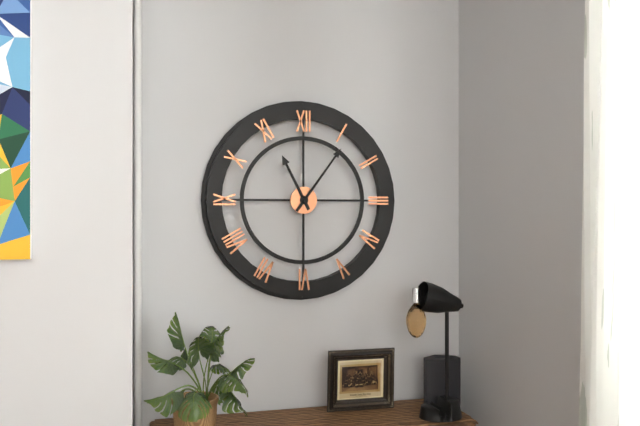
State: 11:06
